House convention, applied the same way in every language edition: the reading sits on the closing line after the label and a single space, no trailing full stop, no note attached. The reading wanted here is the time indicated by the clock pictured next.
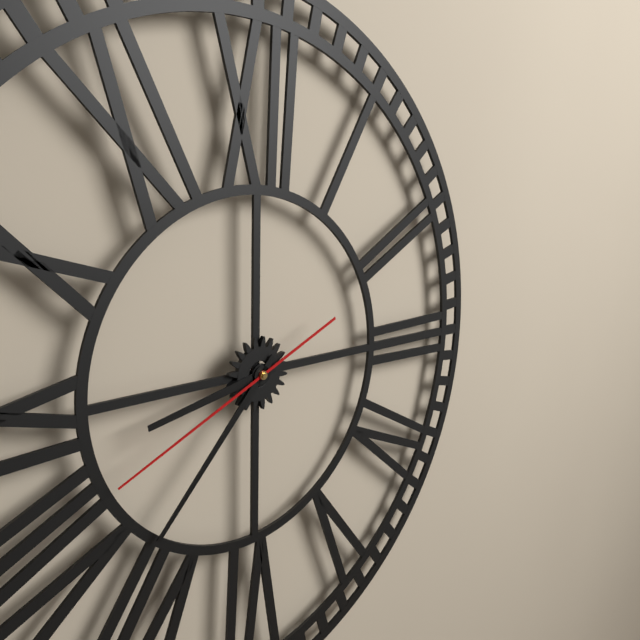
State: 8:37:41
